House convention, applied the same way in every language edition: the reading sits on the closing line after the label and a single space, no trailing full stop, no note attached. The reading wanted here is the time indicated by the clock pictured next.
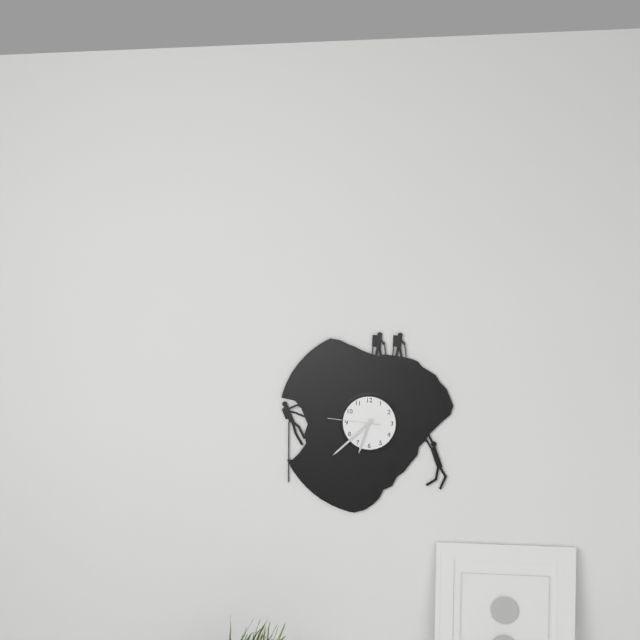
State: 6:38:46
